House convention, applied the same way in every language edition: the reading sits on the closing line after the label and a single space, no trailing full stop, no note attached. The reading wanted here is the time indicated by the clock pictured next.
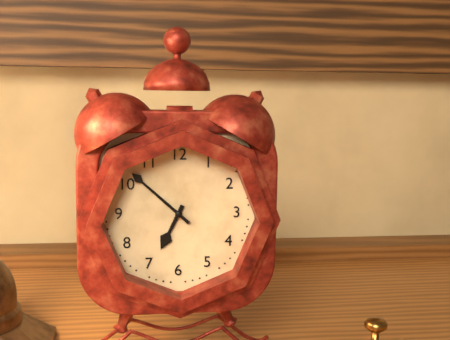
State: 6:52
